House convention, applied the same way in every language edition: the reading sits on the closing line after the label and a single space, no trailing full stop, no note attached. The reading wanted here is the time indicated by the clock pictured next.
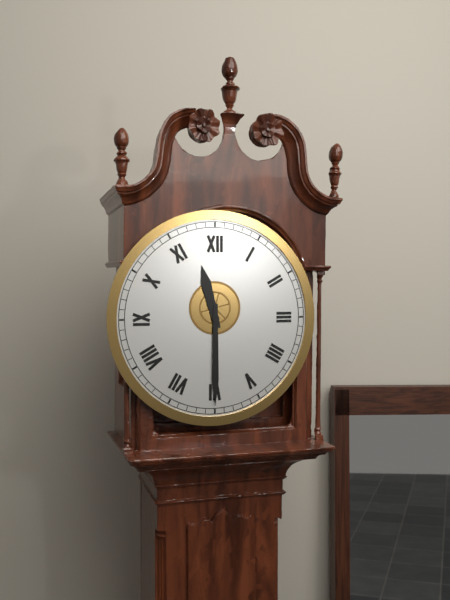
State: 11:30
